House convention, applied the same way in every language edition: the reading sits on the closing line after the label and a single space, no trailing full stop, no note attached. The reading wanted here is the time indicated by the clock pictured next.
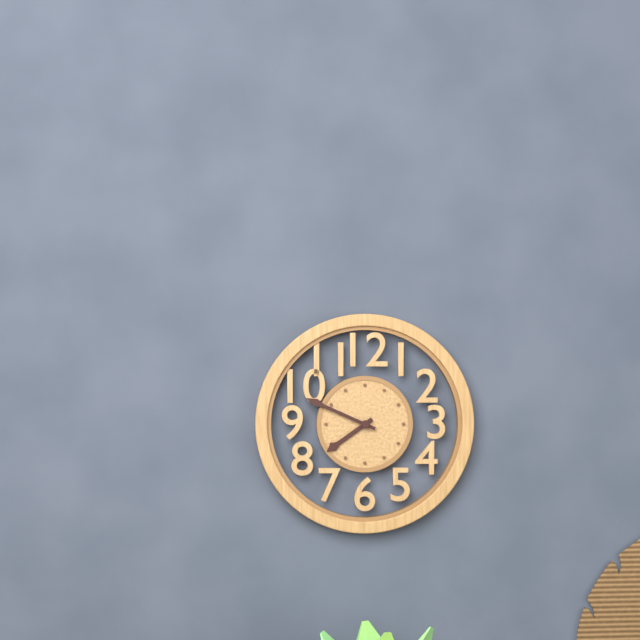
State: 7:49
